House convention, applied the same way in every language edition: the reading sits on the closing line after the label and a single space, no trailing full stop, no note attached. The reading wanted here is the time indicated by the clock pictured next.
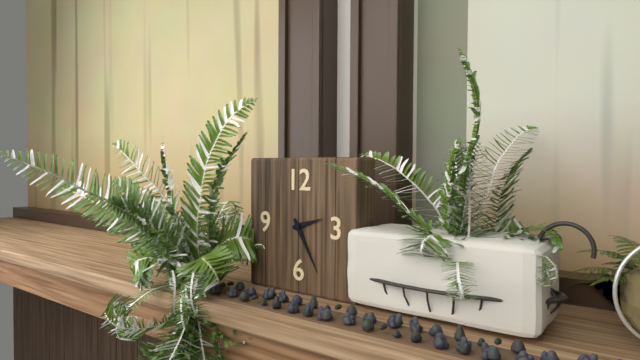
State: 2:25
